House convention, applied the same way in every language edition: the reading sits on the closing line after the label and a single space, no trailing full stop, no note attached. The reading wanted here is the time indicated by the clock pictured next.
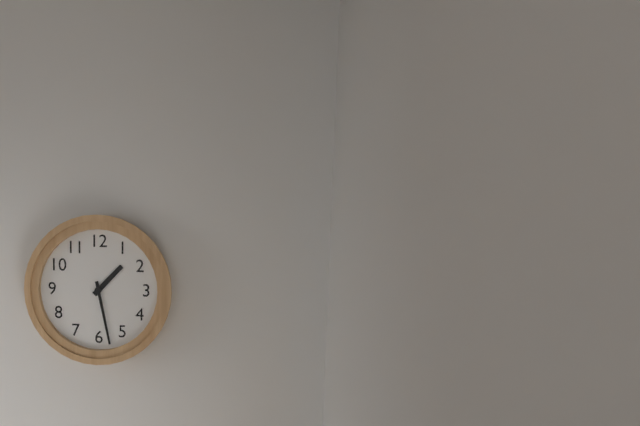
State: 1:28
